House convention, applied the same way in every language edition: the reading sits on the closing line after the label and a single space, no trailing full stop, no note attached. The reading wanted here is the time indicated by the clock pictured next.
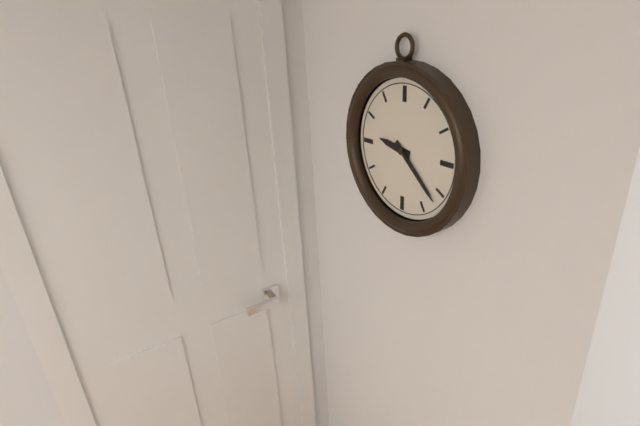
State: 9:22
